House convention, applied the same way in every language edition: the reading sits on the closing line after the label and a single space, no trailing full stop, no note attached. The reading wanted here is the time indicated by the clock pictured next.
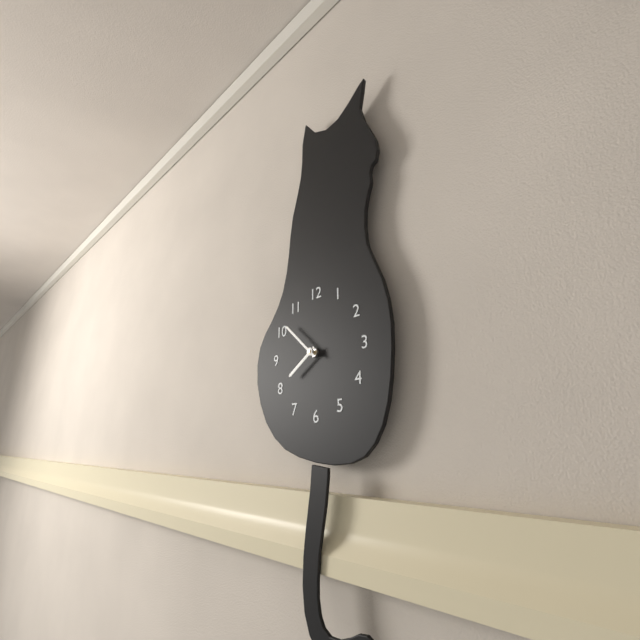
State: 7:52
